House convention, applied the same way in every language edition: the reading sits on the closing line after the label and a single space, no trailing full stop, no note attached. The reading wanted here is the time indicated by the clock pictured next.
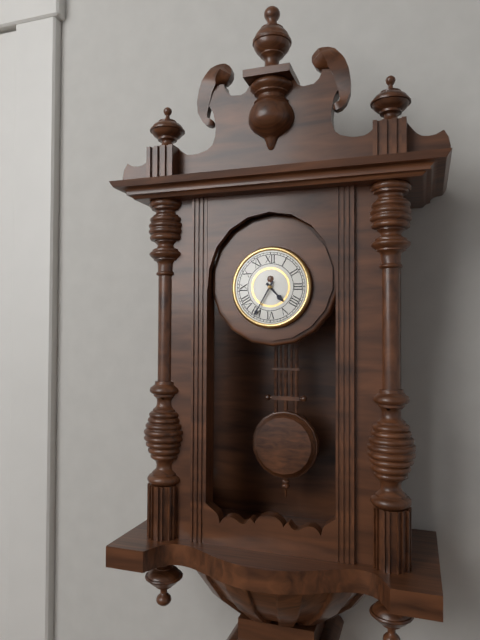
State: 4:35
